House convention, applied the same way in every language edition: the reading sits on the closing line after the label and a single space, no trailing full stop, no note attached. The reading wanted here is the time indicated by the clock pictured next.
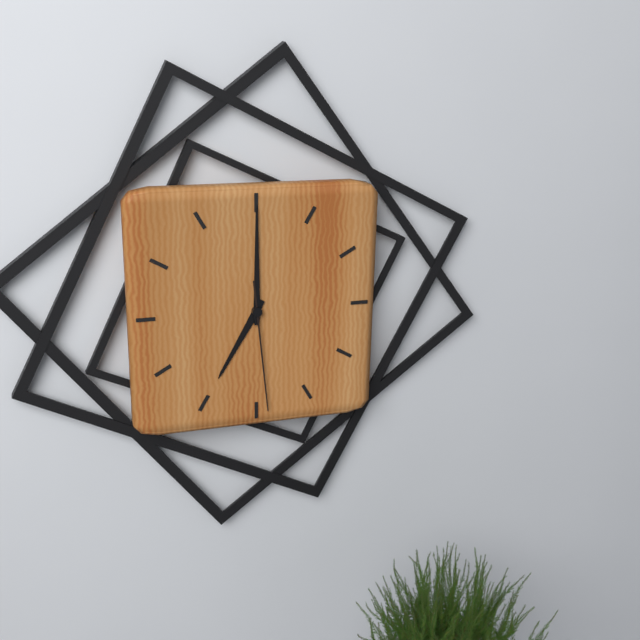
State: 7:00:29
